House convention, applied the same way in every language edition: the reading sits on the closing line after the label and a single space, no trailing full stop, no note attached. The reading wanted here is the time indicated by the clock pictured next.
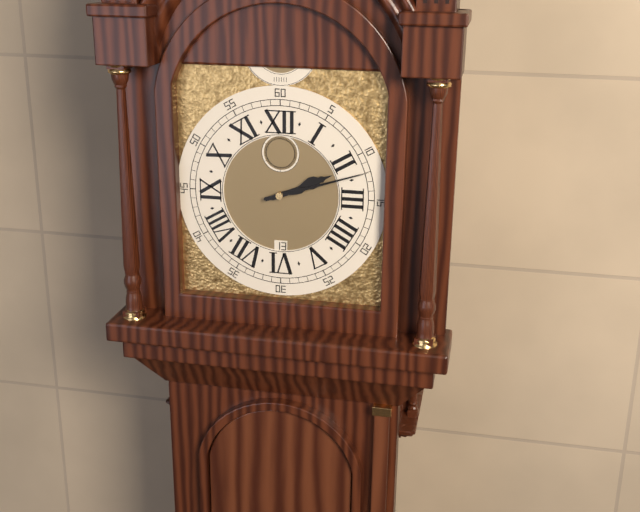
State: 2:12
